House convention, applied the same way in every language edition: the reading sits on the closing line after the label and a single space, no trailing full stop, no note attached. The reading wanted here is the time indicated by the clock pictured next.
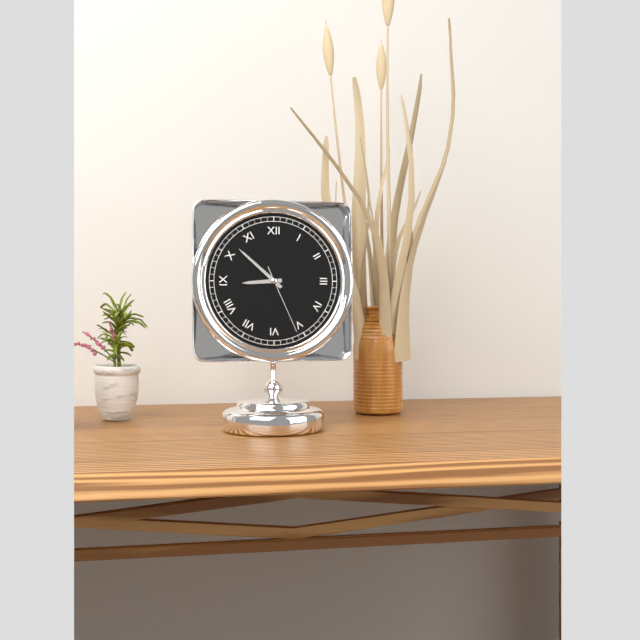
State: 8:52:26
